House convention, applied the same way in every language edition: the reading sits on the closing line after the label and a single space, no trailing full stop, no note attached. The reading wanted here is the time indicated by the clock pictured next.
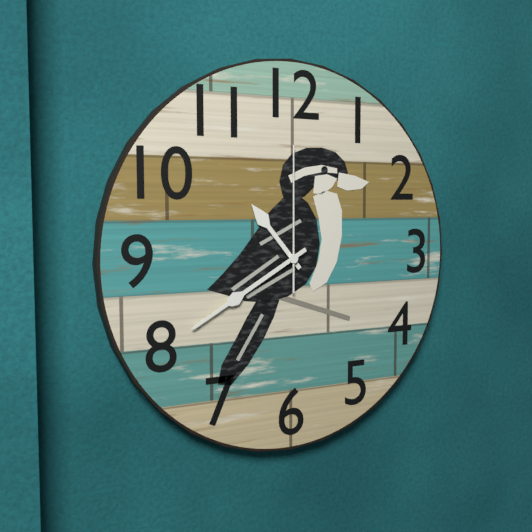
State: 10:40:00
